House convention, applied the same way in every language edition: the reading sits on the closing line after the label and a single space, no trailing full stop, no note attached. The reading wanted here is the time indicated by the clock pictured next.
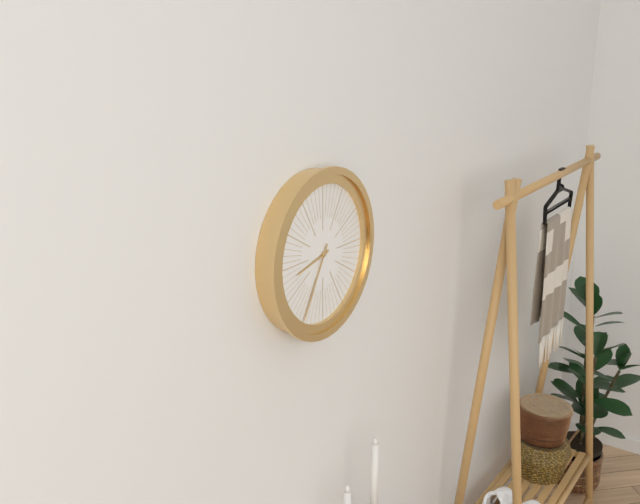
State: 8:35
